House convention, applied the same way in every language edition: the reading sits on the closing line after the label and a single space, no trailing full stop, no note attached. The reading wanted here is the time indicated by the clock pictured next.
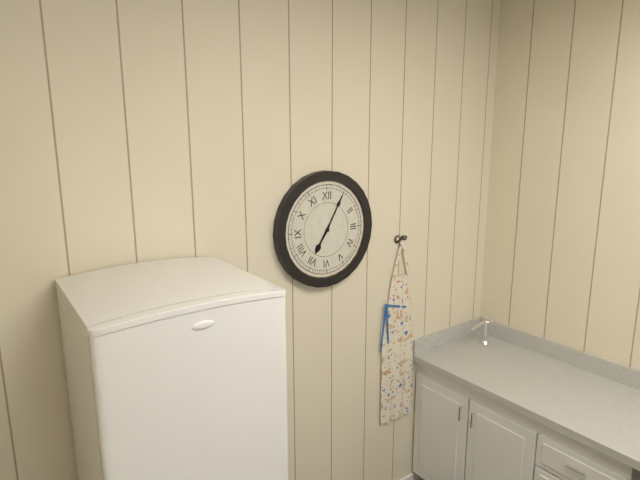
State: 7:05
